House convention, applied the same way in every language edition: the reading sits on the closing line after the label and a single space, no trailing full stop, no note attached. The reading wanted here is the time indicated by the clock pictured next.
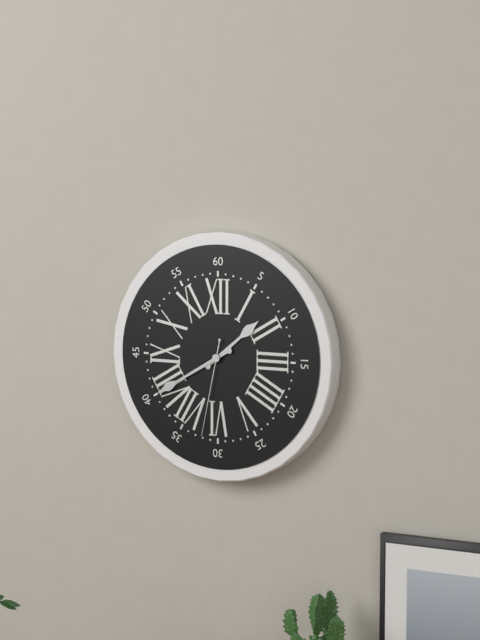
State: 1:40:32
